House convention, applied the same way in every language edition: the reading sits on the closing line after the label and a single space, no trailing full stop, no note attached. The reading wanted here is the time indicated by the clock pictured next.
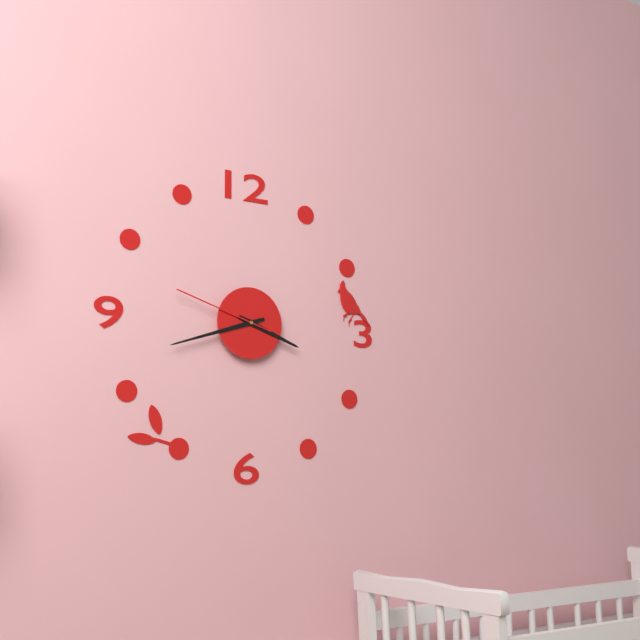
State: 3:42:48
